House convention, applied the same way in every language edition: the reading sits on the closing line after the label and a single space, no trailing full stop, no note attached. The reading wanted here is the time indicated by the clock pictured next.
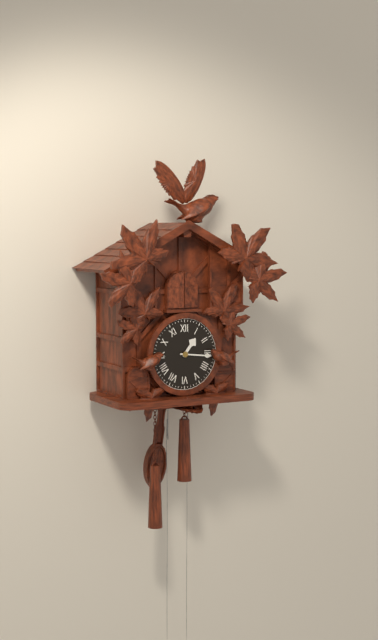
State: 1:16
